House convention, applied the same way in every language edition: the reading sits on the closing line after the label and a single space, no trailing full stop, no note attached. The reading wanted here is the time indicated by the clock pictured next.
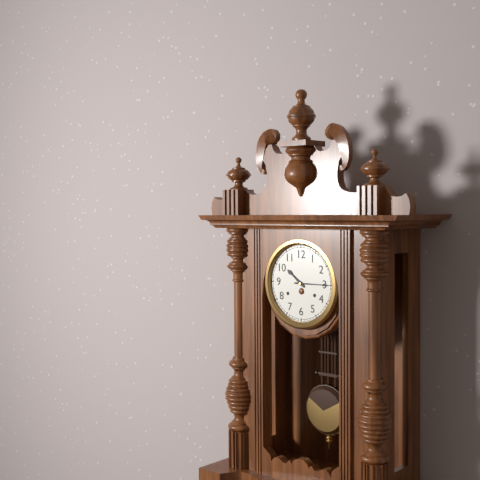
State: 10:15
